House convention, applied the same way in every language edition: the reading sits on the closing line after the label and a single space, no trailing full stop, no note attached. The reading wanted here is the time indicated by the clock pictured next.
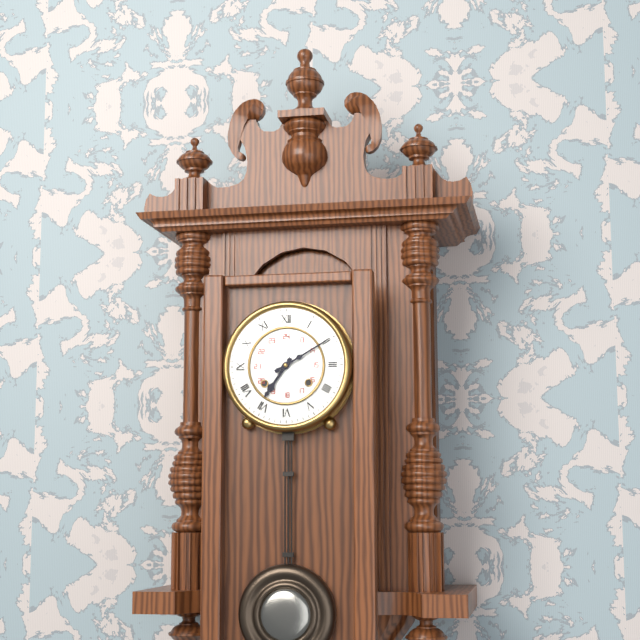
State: 7:10
